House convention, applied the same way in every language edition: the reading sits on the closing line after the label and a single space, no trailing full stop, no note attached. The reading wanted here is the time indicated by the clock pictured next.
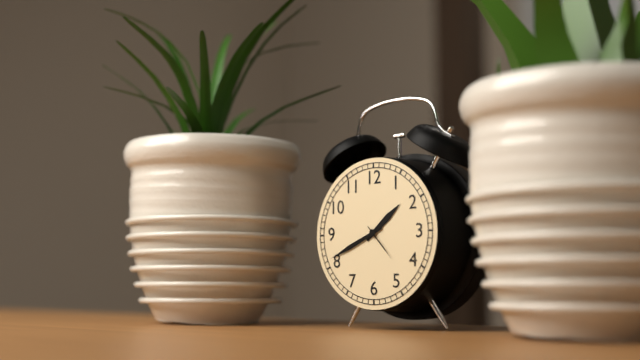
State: 1:41
